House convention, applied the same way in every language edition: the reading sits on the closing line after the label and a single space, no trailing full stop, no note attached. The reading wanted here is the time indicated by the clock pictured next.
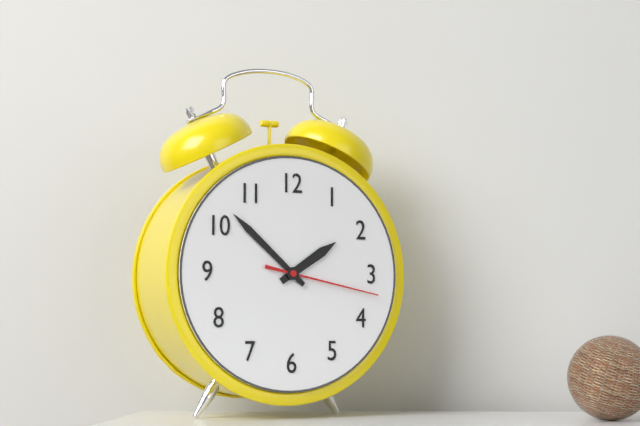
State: 1:52:17
